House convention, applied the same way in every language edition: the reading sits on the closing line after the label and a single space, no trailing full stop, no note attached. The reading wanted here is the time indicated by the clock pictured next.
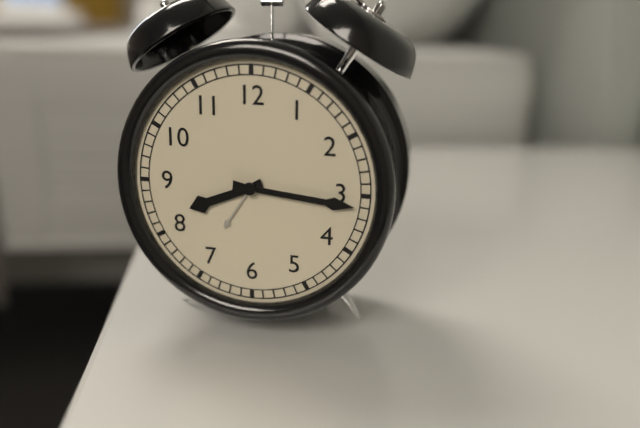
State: 8:16
